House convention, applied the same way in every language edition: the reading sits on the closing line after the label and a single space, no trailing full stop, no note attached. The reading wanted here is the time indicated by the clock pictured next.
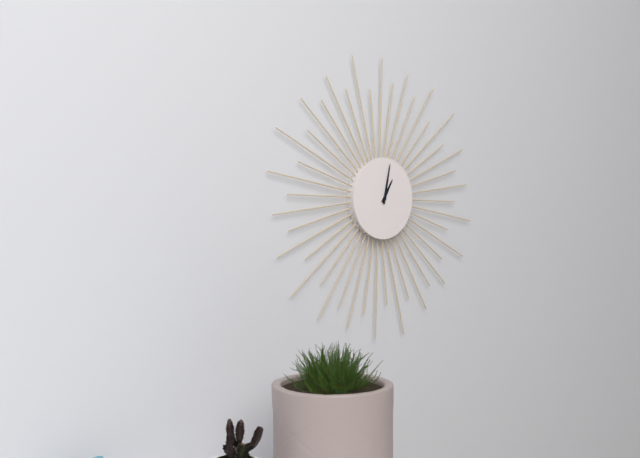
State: 1:02
